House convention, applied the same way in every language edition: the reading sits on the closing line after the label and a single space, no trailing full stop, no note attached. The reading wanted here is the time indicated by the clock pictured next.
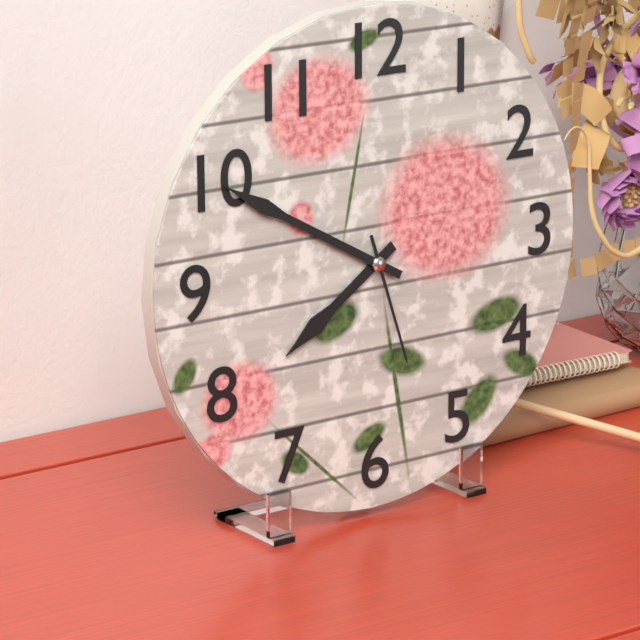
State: 7:50:27
